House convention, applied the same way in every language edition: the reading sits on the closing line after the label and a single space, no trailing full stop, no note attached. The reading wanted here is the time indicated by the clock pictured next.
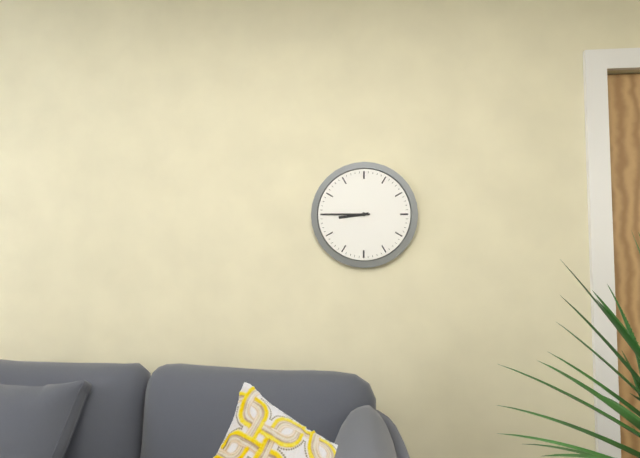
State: 8:45
